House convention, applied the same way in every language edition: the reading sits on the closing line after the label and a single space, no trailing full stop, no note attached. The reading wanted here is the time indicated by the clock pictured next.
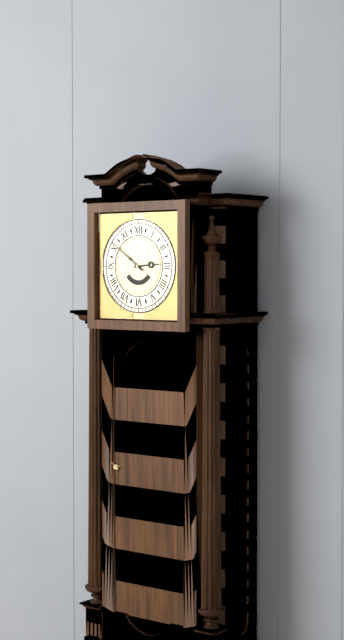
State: 2:51
